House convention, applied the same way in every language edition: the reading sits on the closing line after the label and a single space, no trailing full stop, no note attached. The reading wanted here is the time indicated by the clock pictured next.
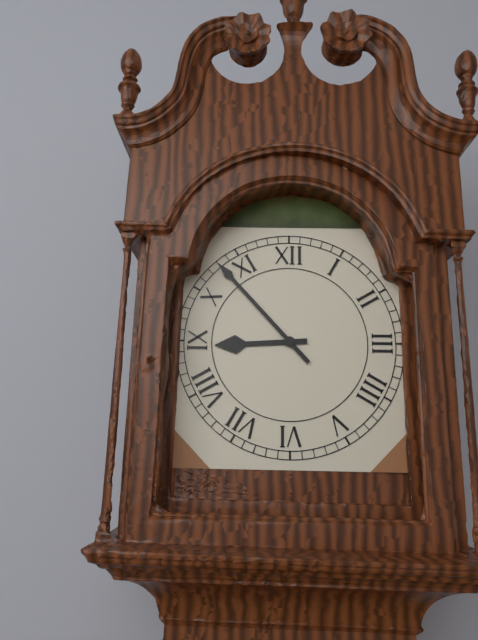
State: 8:53
